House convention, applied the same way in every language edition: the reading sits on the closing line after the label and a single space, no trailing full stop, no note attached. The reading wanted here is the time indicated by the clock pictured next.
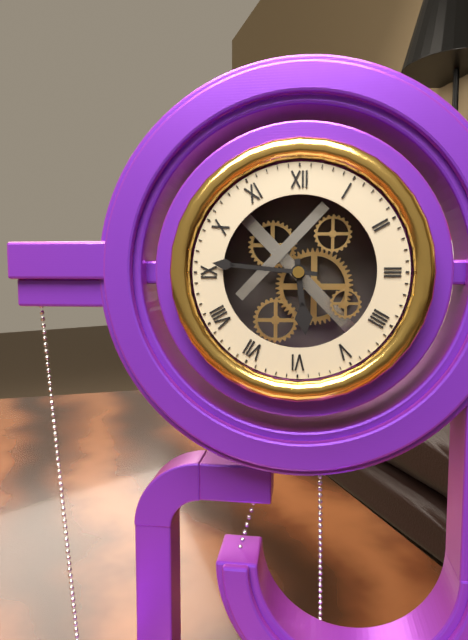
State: 5:46
